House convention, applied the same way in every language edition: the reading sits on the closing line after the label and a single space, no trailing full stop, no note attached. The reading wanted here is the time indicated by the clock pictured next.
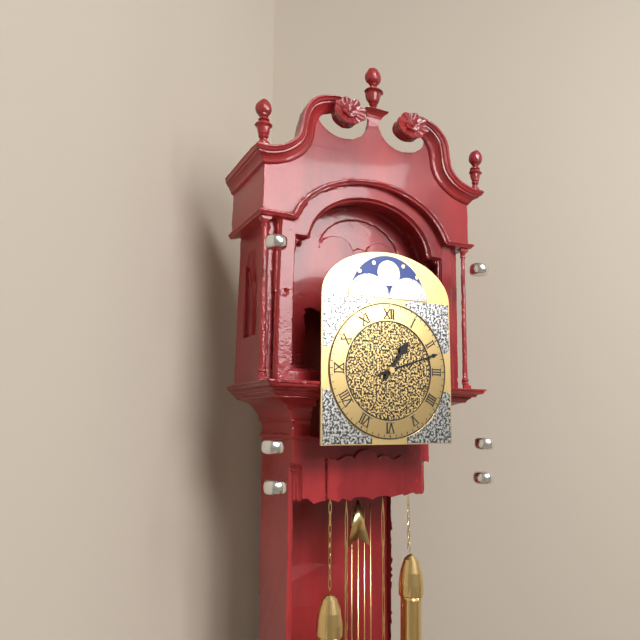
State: 1:12
